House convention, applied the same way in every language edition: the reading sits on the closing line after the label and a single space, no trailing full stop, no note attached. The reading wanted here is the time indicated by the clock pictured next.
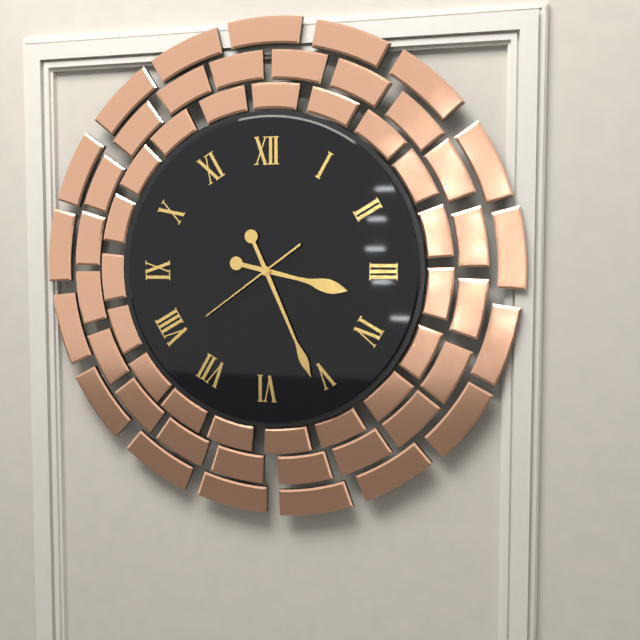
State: 3:26:39
